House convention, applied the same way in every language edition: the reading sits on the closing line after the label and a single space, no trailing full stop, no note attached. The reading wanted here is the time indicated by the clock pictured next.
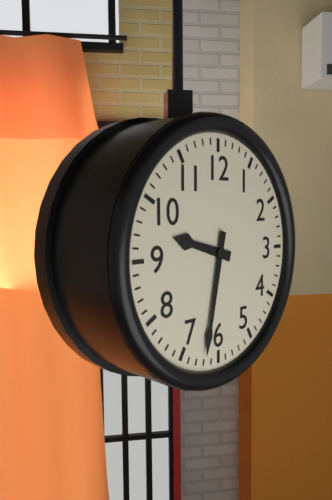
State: 9:32
